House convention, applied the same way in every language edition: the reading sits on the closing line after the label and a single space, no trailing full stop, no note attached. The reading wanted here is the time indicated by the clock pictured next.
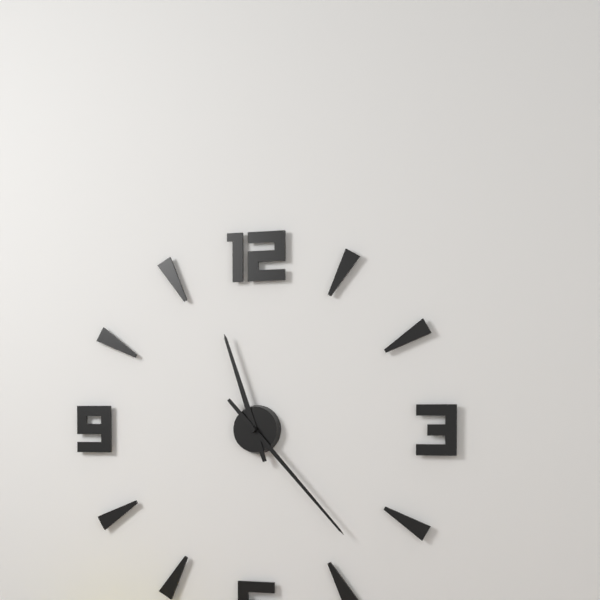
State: 11:23
